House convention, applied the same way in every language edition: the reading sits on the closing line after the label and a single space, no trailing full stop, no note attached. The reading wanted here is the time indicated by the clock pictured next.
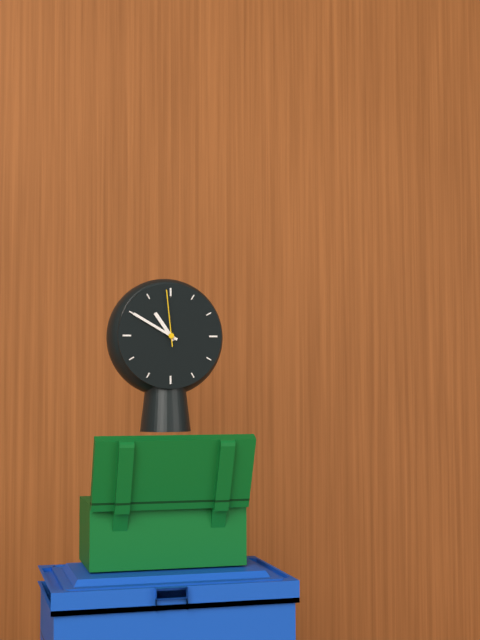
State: 10:50:59
